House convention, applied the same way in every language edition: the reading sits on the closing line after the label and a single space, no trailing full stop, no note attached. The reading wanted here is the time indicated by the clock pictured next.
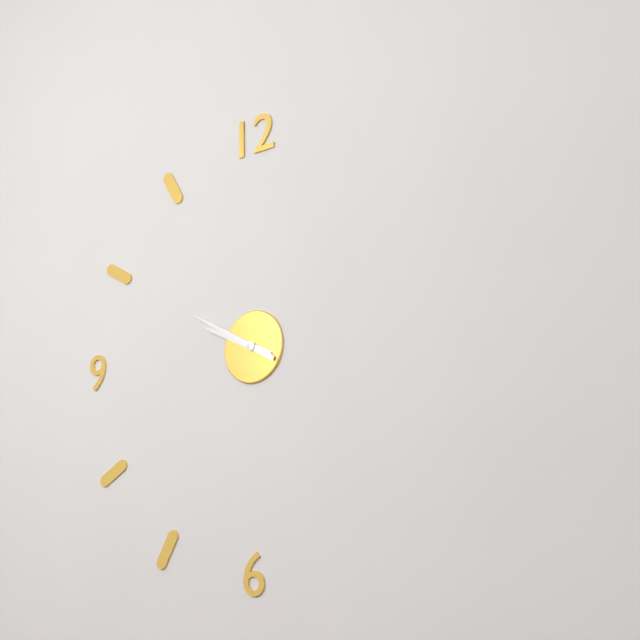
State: 9:50
